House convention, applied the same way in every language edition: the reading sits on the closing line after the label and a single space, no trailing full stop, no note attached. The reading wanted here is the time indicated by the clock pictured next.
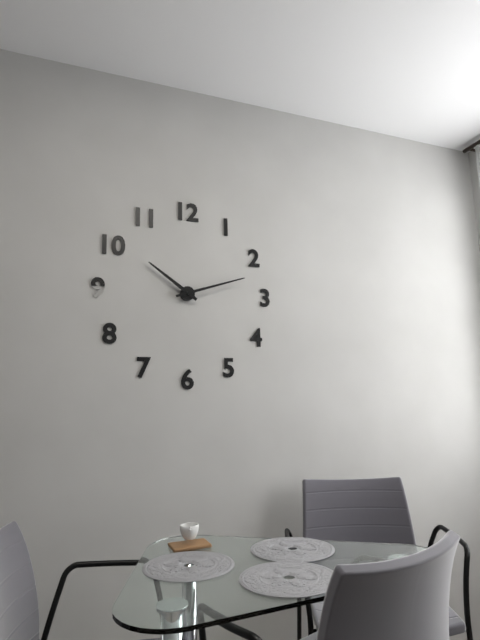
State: 10:12
